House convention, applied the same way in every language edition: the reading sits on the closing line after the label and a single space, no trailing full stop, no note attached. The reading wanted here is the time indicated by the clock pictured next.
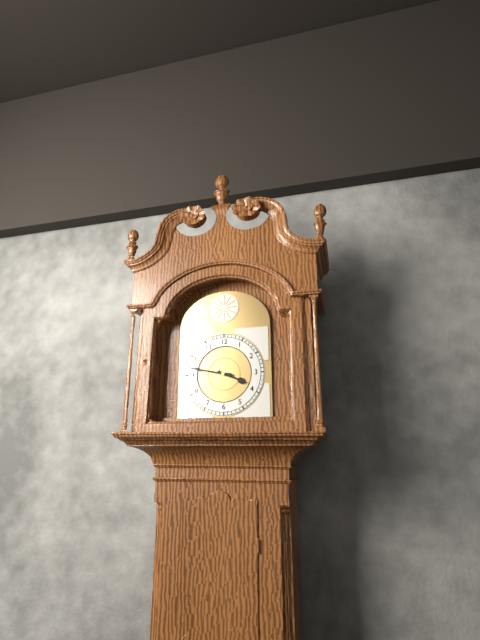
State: 3:47
